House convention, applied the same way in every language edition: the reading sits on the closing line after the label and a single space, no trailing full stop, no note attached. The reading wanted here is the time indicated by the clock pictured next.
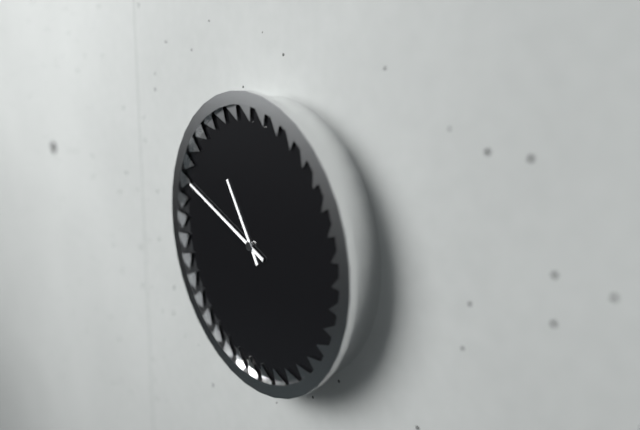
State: 10:48
